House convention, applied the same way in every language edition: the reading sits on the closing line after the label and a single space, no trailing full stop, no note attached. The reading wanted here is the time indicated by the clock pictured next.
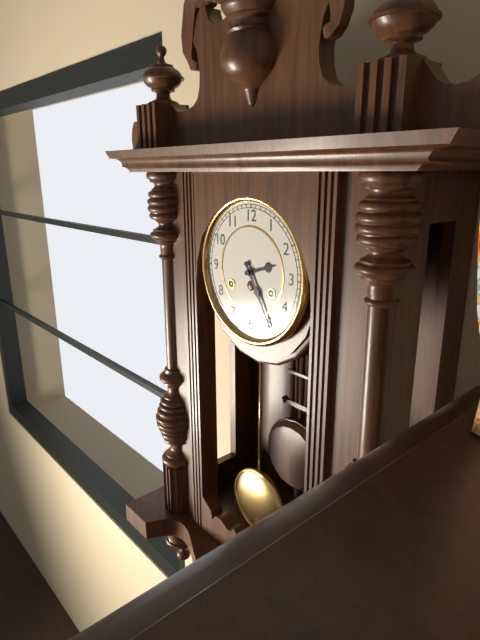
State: 2:25
